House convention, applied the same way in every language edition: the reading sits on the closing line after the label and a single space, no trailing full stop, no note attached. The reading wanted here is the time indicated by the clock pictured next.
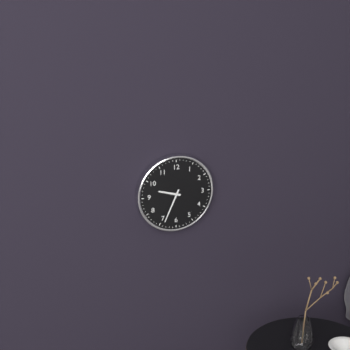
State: 9:34
